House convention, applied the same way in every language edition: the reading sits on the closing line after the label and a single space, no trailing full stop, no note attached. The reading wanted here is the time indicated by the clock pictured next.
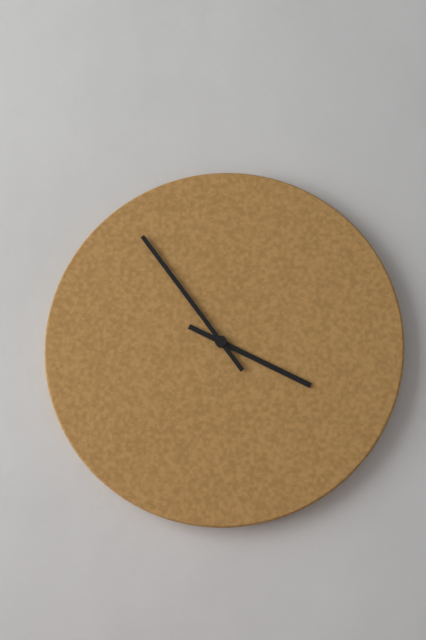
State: 3:54
